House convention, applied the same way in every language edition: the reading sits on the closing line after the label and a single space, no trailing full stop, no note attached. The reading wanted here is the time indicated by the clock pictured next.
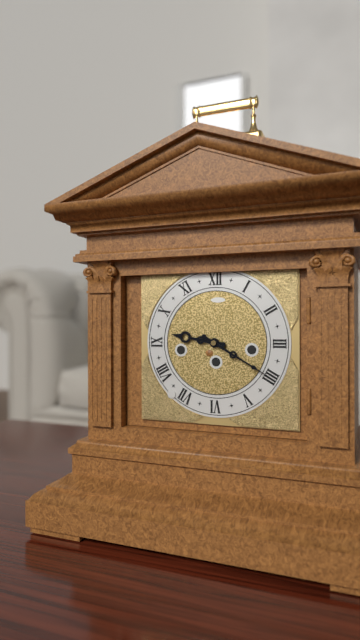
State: 9:20
